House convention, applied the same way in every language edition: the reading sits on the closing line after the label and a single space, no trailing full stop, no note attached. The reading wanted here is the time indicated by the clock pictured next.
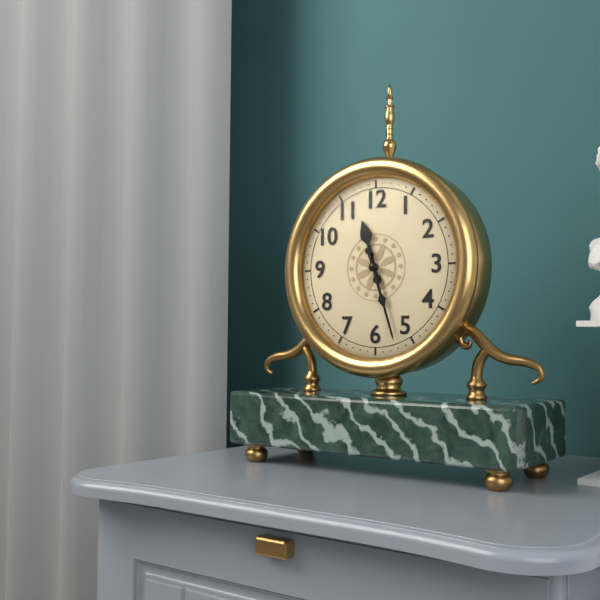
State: 11:27
